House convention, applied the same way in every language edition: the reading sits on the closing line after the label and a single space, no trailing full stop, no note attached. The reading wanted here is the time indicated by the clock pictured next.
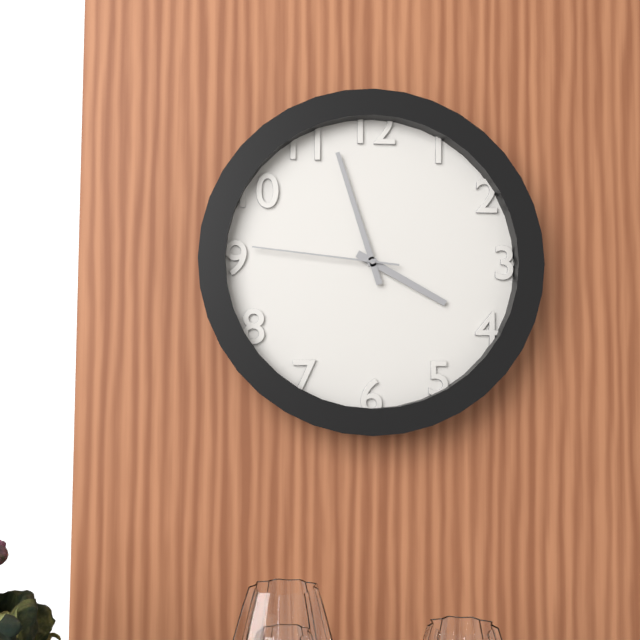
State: 3:57:46
